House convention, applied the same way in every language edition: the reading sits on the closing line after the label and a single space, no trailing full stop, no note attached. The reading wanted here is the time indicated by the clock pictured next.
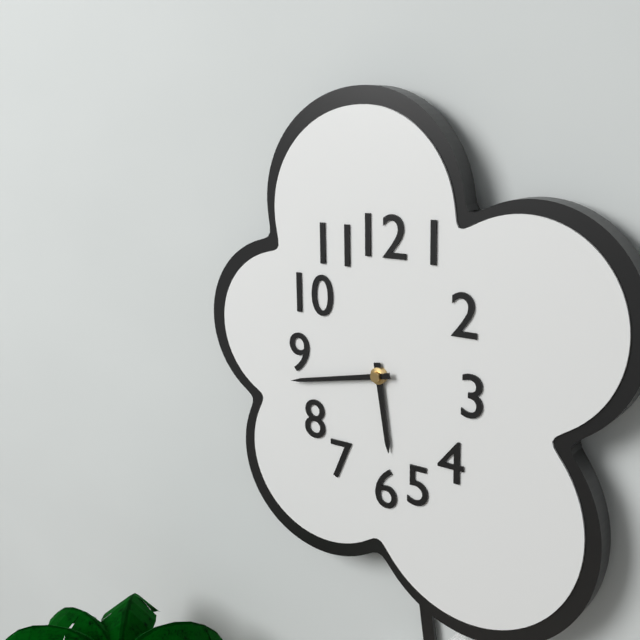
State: 5:43
